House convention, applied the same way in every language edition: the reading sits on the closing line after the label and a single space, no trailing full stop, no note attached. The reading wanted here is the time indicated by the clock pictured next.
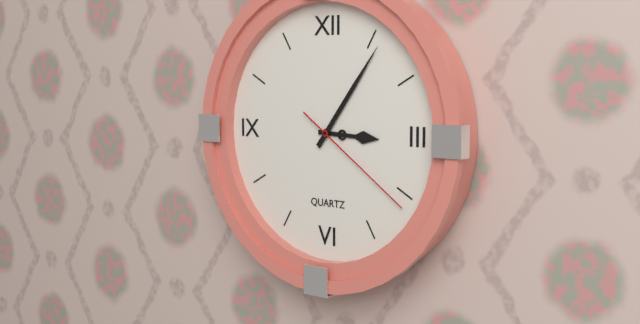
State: 3:06:21
